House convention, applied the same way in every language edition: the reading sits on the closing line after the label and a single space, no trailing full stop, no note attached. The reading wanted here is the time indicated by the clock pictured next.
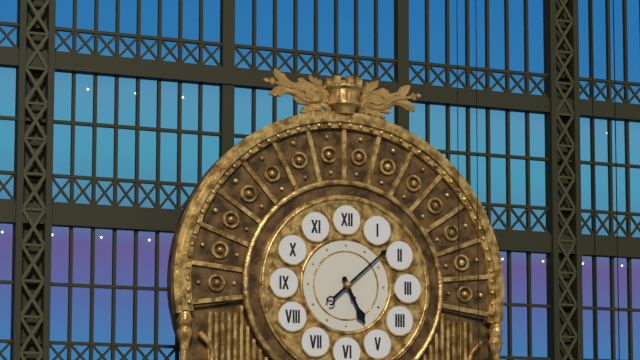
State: 5:08
